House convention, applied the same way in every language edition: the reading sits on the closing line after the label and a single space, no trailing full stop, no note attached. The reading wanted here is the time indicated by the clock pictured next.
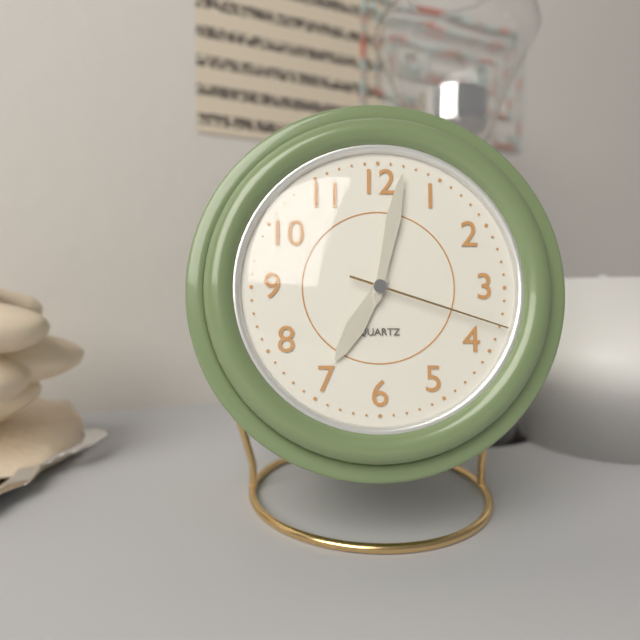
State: 7:02:18
